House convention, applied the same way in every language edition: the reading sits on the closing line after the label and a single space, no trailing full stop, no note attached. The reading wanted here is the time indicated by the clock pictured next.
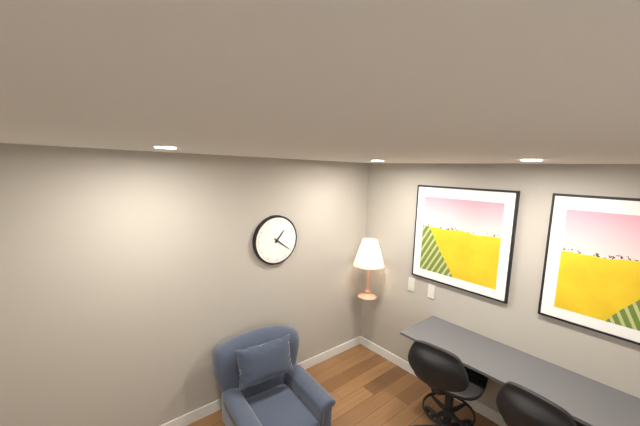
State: 1:21
